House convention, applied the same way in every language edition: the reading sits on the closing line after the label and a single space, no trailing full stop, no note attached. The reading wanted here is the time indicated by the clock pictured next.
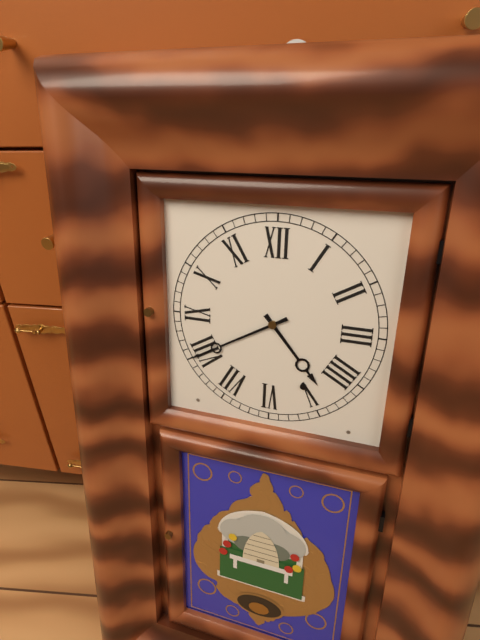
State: 4:40
